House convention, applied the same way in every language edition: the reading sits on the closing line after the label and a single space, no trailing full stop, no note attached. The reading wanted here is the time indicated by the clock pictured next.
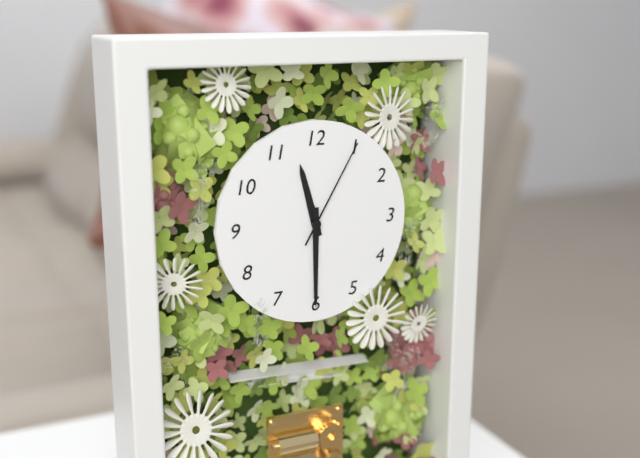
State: 11:30:05
